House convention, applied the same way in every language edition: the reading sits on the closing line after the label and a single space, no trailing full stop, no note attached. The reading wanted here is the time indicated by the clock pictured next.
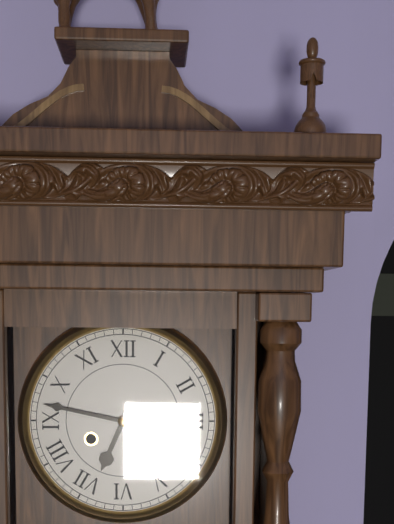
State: 6:47
